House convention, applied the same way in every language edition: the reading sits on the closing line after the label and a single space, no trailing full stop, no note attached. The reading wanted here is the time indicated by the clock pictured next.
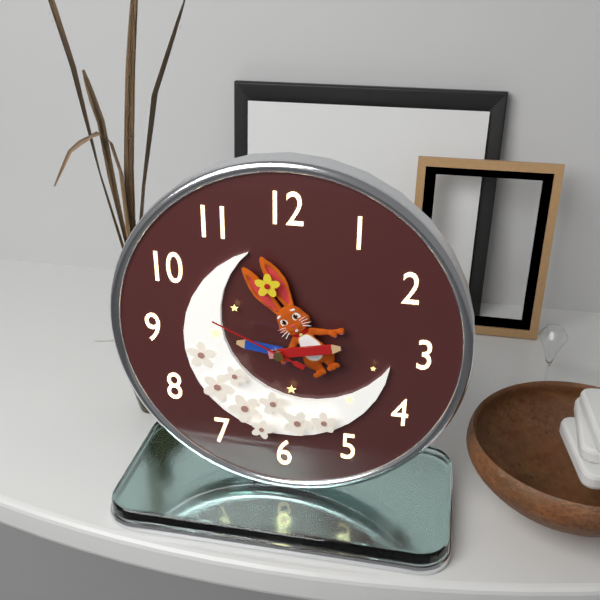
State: 9:13:49
